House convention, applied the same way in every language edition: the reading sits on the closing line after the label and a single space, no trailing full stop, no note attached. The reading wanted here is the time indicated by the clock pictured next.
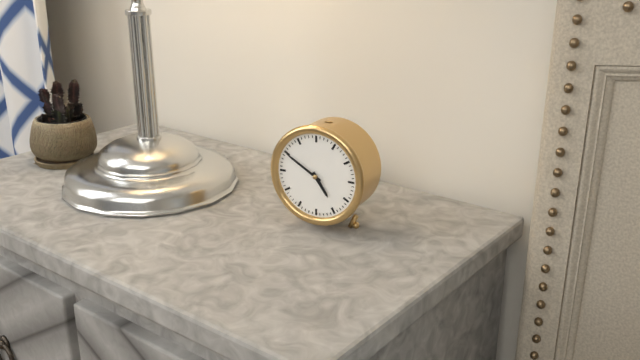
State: 4:50
